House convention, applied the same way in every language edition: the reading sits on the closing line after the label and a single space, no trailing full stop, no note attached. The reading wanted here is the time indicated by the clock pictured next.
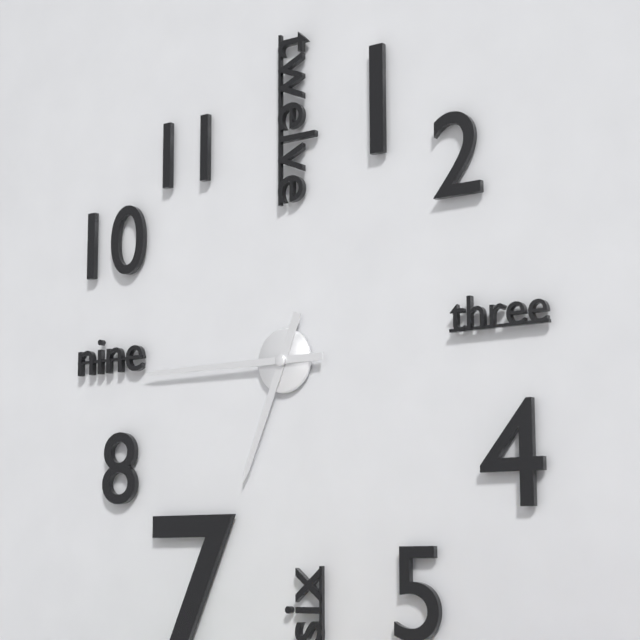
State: 6:45
